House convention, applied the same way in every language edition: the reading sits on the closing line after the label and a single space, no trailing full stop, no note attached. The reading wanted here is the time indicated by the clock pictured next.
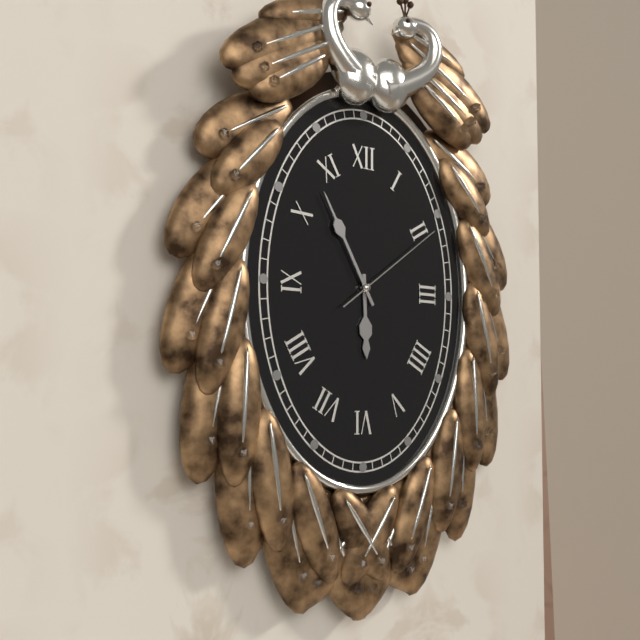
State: 5:55:09
